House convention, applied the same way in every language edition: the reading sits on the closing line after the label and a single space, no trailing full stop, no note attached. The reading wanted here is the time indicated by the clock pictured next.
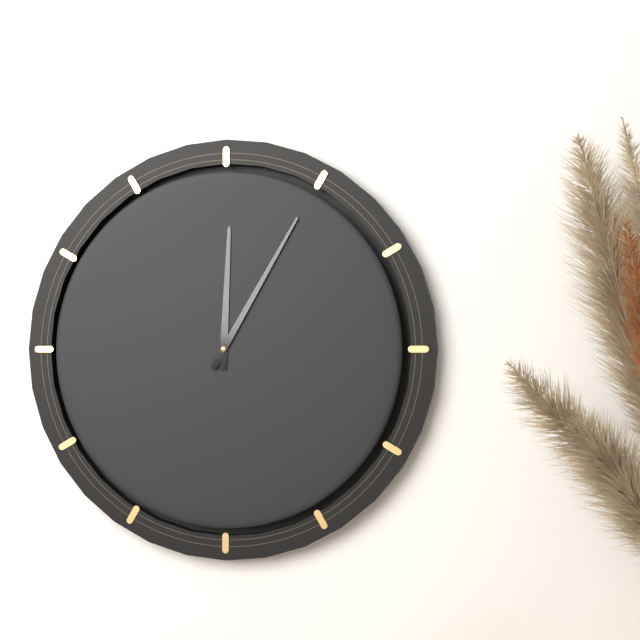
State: 12:05
